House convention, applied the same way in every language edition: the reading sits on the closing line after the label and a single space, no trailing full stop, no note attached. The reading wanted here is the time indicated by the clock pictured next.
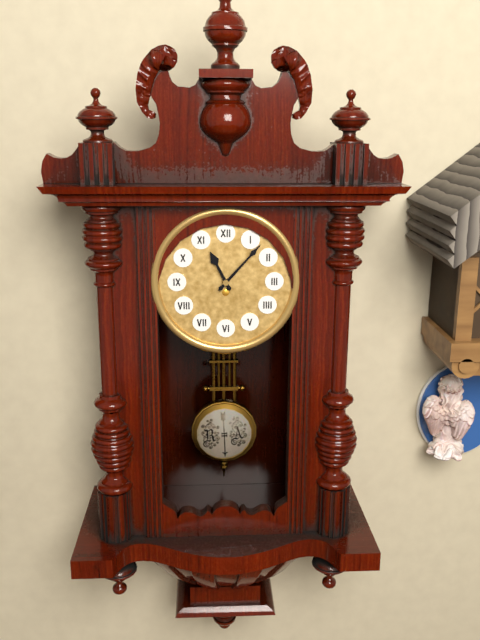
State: 11:07
